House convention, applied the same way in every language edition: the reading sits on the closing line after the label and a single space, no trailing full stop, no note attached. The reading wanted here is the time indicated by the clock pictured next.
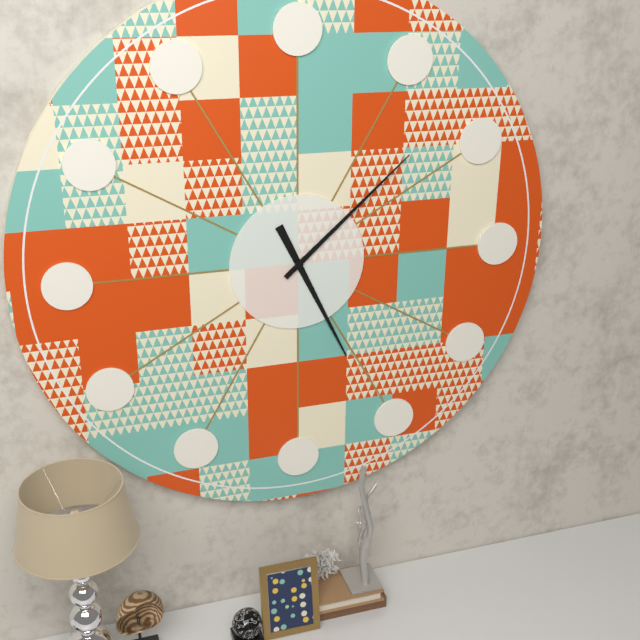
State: 5:08
